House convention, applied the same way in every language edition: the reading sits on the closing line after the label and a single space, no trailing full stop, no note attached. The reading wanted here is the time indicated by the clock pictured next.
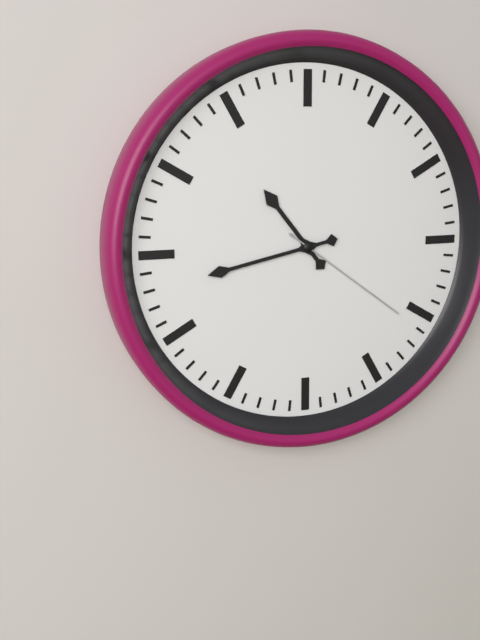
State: 10:43:21
